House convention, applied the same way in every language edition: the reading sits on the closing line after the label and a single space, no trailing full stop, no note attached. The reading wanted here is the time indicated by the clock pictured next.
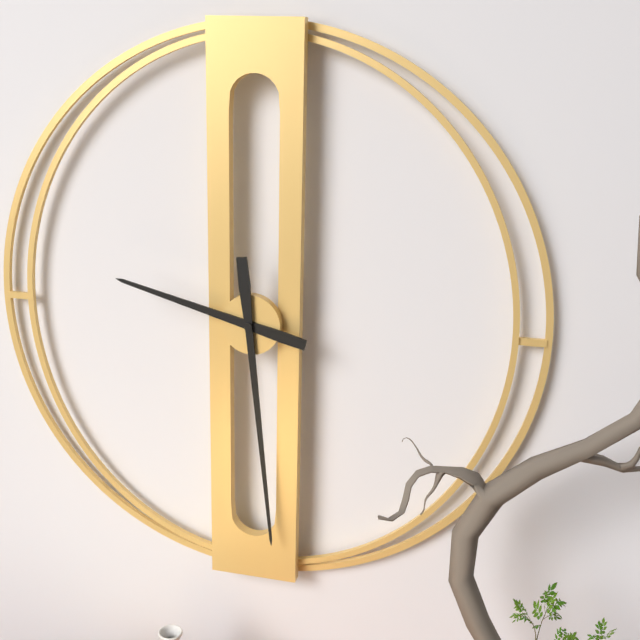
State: 9:29
